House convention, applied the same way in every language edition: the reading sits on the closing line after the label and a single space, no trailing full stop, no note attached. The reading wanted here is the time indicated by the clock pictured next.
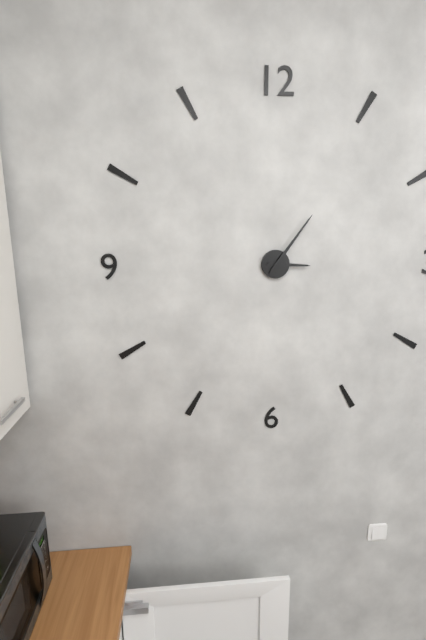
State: 3:06
